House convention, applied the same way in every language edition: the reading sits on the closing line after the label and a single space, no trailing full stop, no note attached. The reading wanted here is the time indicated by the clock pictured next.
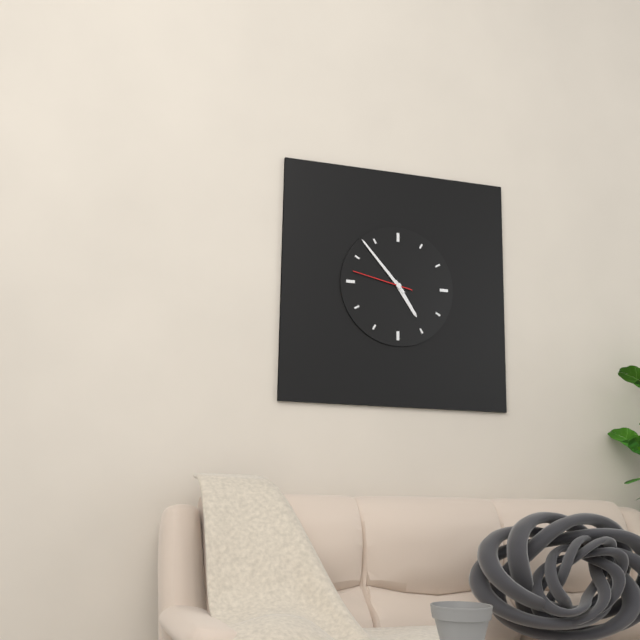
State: 4:53:47
